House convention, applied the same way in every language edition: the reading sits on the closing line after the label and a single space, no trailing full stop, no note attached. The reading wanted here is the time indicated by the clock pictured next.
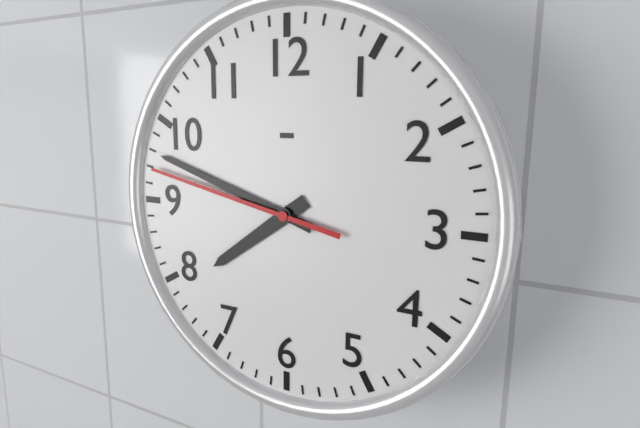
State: 7:48:47
